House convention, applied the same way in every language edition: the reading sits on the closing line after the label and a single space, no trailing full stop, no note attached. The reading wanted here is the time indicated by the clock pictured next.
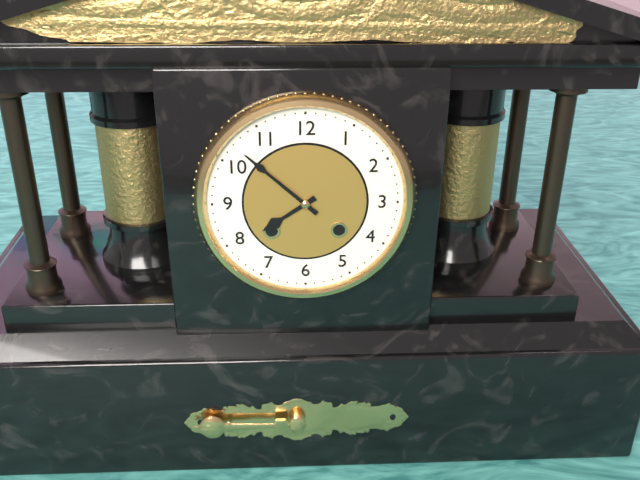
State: 7:52
